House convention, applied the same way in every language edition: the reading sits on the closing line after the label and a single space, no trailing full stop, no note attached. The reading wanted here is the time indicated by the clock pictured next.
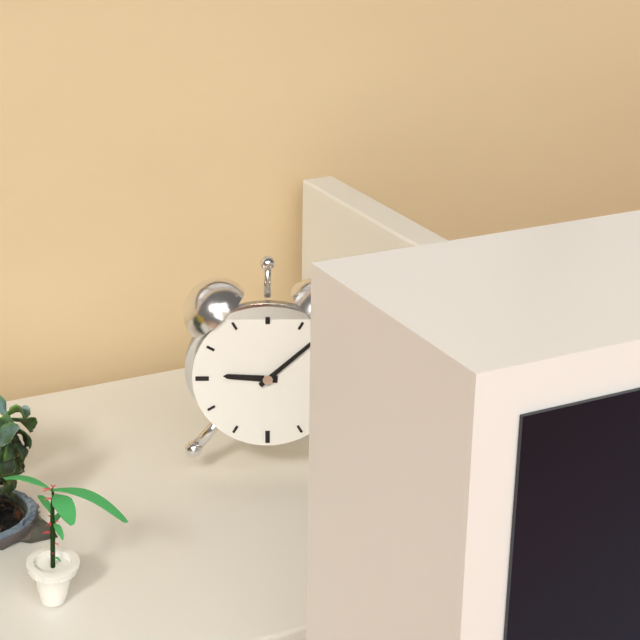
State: 9:08
